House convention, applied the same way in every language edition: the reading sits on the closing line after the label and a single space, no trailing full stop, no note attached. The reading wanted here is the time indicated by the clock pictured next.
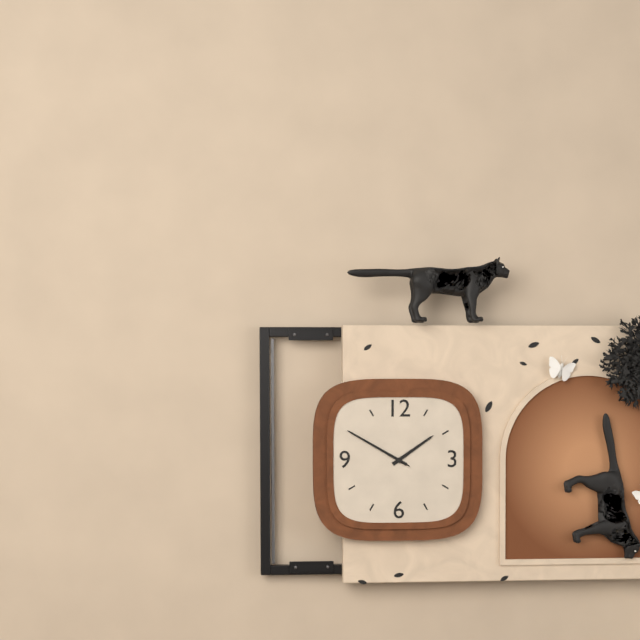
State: 1:50:50
